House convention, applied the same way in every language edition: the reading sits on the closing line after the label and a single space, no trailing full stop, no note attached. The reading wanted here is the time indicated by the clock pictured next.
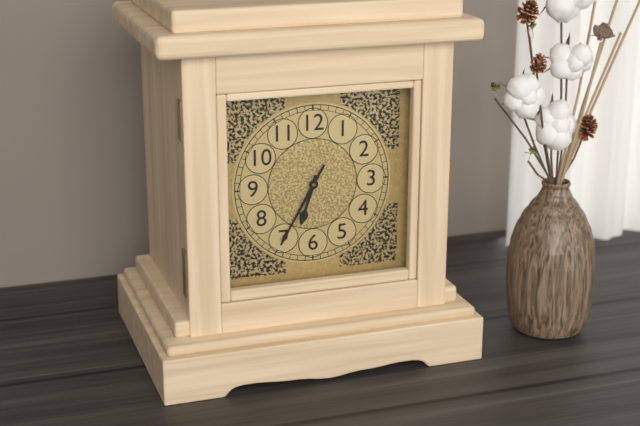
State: 6:35
